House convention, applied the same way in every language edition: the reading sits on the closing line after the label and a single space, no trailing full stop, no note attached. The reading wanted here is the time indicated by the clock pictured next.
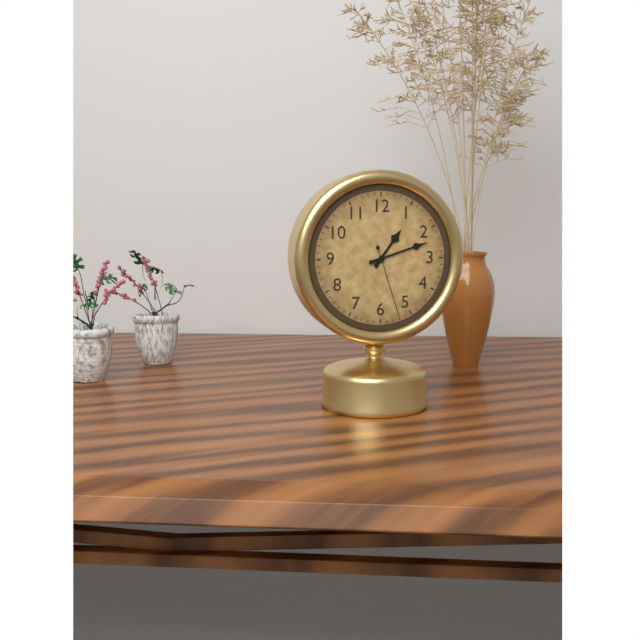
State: 1:12:27
